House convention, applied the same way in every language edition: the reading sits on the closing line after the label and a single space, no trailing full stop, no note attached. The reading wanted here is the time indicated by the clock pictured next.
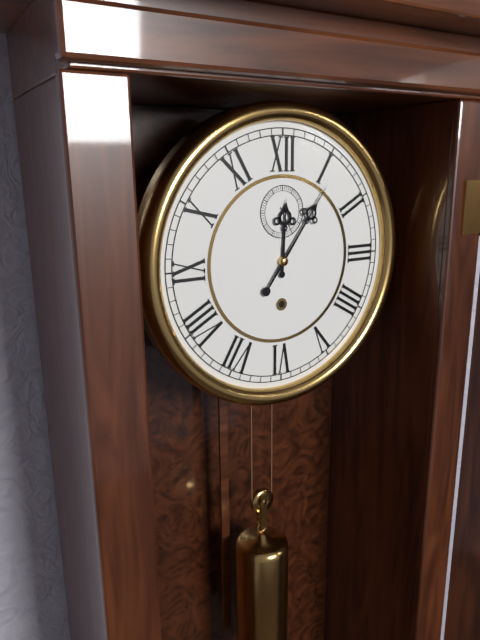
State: 12:06
